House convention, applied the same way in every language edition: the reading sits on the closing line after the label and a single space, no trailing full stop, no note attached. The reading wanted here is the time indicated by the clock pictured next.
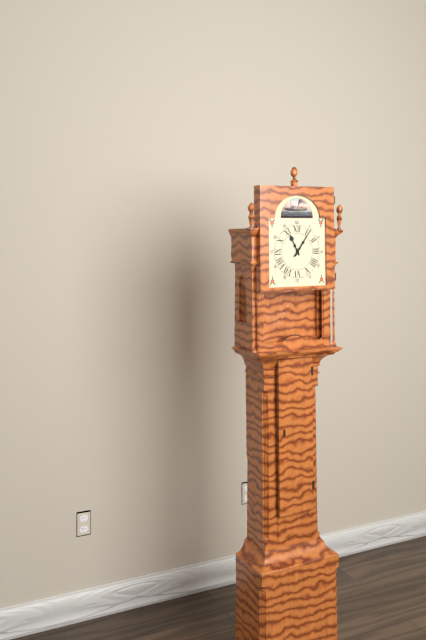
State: 11:06
